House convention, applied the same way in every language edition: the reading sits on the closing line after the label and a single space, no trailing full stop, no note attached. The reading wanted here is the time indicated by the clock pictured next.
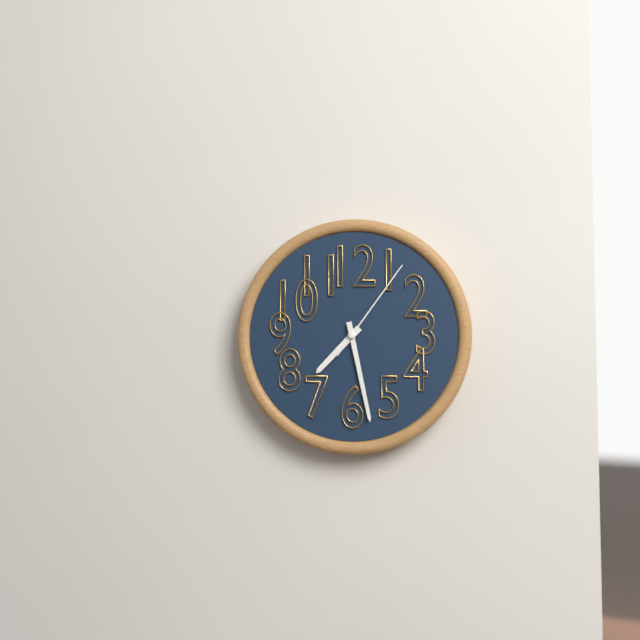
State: 7:28:06
